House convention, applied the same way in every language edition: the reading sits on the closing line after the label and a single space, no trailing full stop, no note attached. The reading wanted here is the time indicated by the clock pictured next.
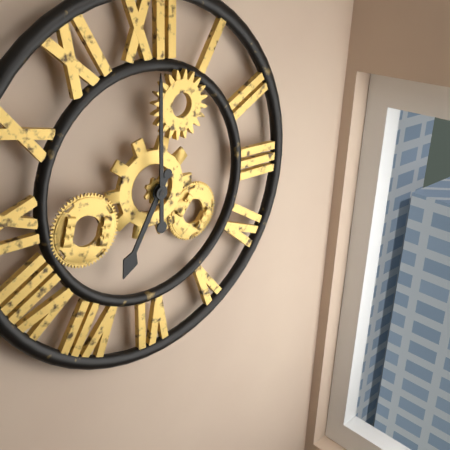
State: 7:00
